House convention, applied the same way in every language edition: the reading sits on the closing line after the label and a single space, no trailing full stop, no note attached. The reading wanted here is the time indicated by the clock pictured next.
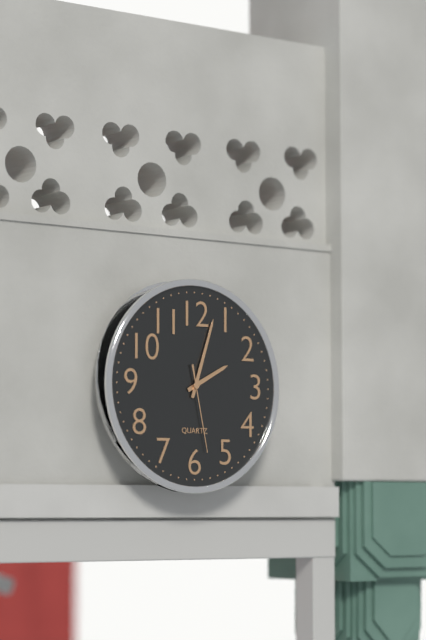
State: 2:03:28
